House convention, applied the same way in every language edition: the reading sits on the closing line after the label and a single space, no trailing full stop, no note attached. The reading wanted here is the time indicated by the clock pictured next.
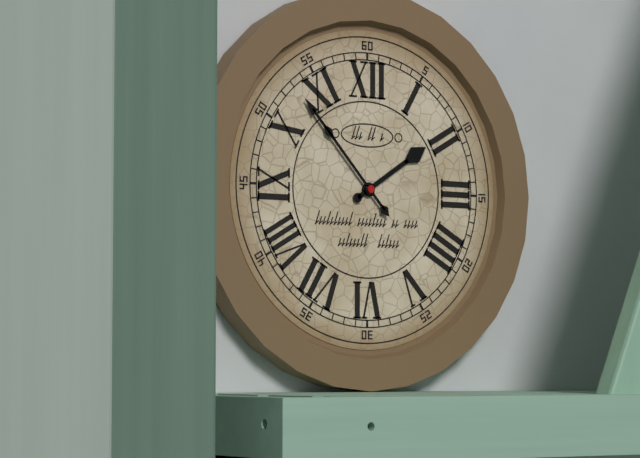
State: 1:53
